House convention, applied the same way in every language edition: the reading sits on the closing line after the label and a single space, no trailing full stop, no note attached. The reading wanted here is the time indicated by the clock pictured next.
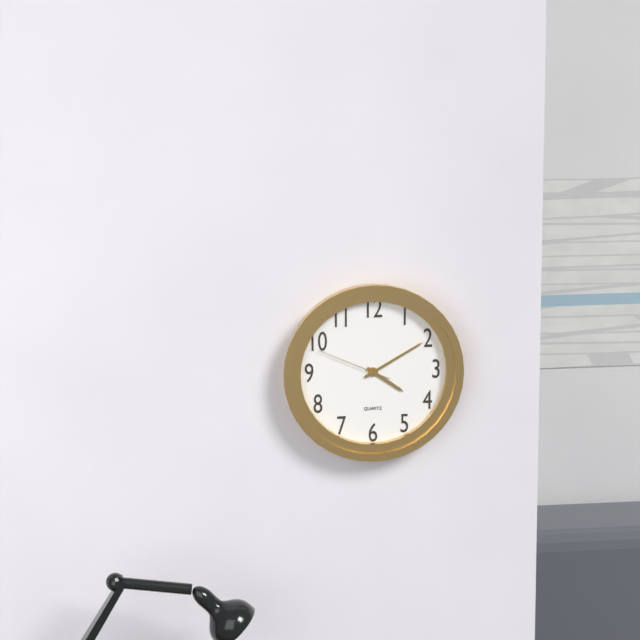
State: 4:10:49
